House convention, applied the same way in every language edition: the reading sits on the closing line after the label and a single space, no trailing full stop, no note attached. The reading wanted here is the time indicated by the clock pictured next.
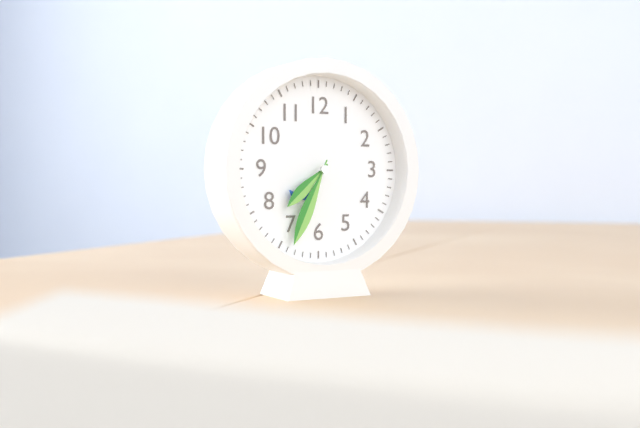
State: 7:34
